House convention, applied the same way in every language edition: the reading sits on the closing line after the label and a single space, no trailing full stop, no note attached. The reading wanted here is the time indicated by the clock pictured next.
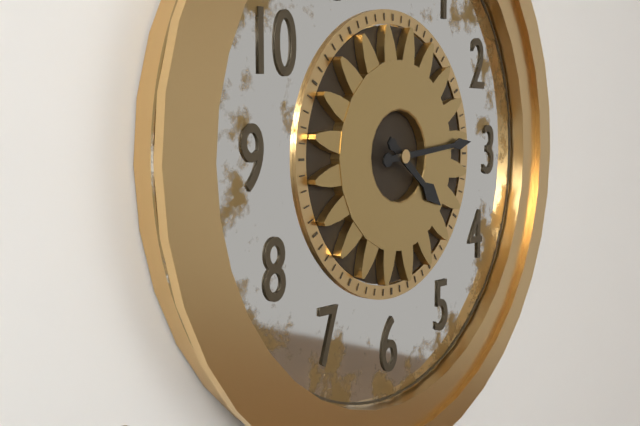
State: 4:14
